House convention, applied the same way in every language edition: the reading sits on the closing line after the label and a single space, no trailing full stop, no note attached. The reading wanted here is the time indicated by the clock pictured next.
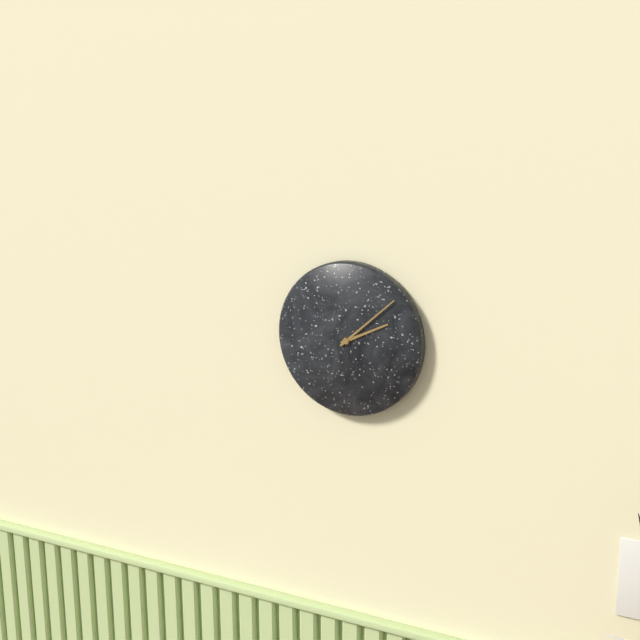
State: 2:08
